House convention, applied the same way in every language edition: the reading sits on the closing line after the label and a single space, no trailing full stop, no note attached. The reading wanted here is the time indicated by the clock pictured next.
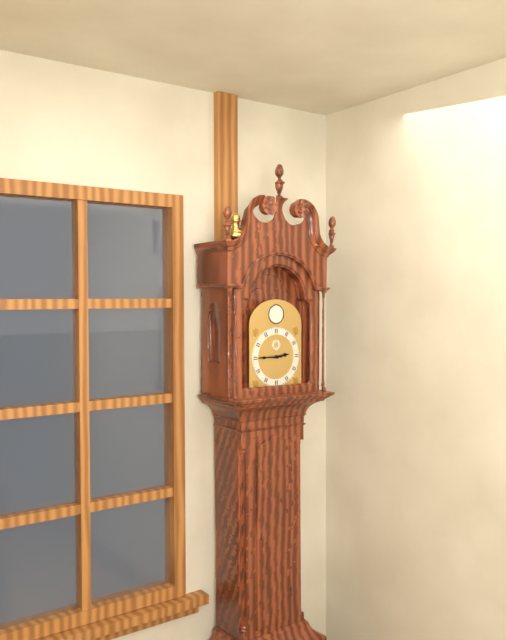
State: 2:45
